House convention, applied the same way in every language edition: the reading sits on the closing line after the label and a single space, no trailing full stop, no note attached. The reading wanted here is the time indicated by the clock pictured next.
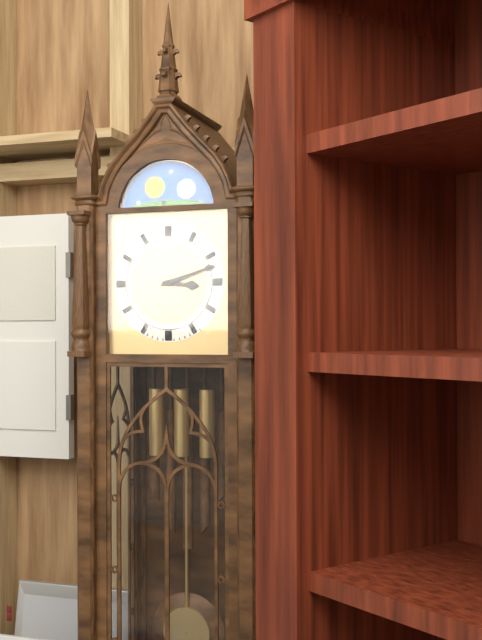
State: 3:12
